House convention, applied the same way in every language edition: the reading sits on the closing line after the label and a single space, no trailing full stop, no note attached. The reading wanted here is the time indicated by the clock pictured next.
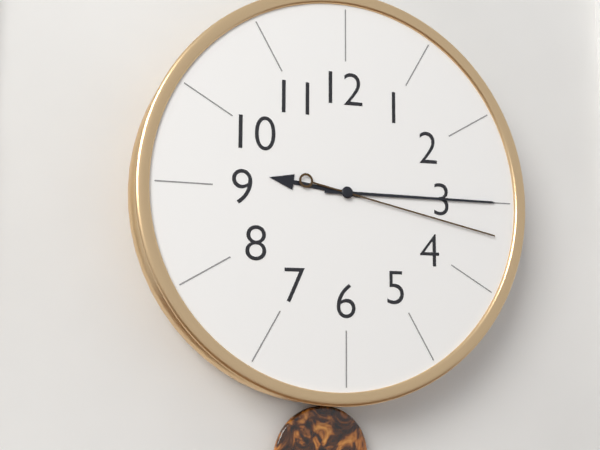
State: 9:15:17
